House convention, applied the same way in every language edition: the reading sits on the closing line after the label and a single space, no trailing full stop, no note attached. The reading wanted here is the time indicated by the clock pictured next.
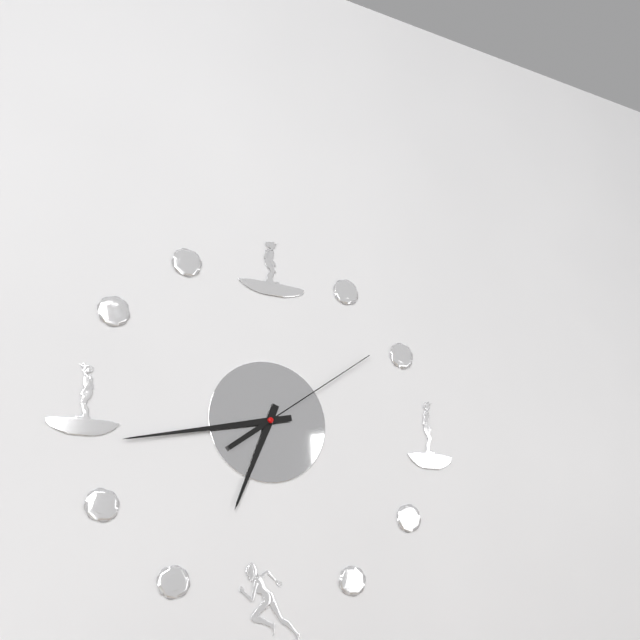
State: 6:43:09
